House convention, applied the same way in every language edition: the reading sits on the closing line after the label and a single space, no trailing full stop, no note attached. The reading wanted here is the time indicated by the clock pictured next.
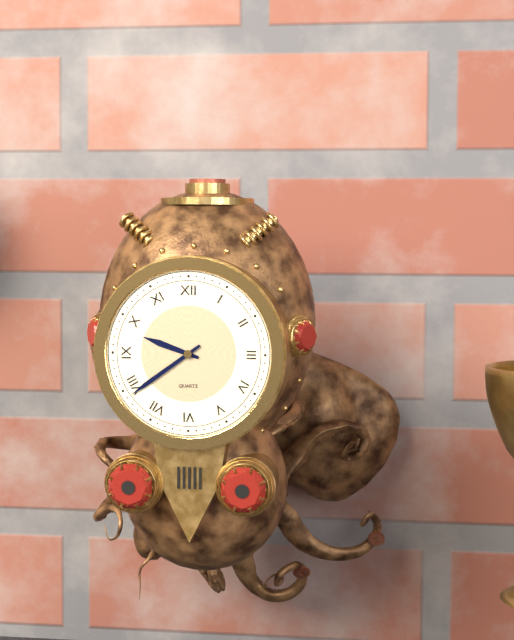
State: 9:39
